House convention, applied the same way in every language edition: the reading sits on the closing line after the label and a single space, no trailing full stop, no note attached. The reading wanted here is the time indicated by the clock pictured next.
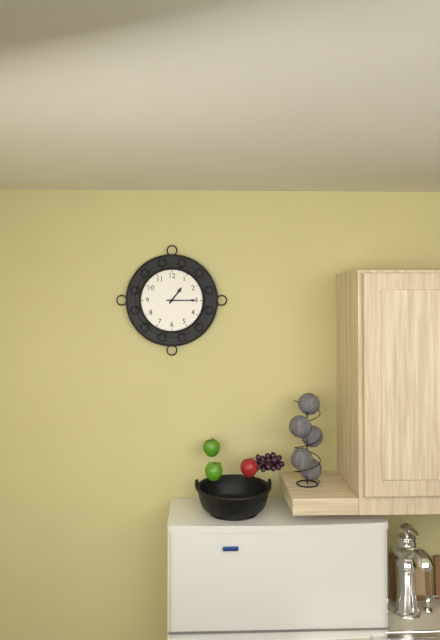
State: 1:15
